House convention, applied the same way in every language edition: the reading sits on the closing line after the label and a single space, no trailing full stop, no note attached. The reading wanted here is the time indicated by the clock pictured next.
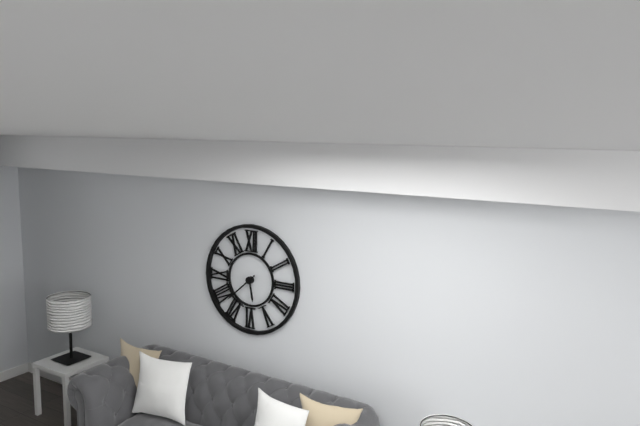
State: 5:38
